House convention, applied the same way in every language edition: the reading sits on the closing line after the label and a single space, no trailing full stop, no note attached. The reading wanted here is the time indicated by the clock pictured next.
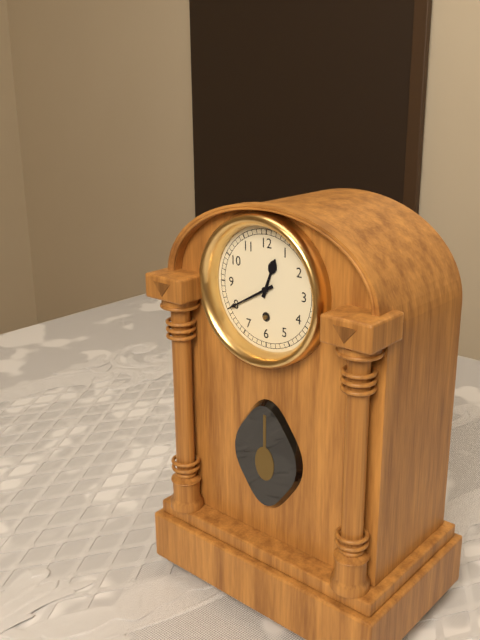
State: 12:40
